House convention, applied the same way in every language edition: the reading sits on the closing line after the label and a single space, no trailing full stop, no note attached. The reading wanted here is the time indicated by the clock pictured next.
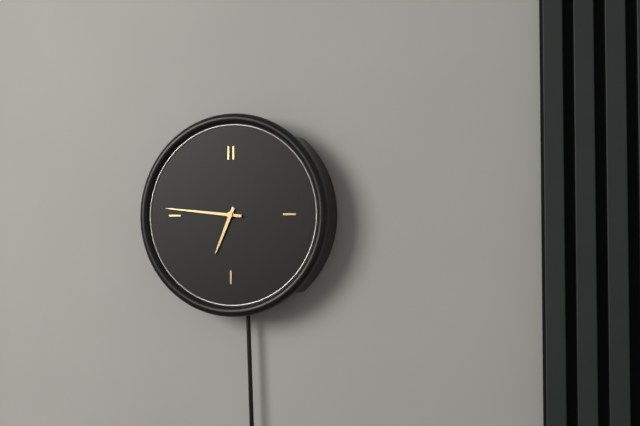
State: 6:46
